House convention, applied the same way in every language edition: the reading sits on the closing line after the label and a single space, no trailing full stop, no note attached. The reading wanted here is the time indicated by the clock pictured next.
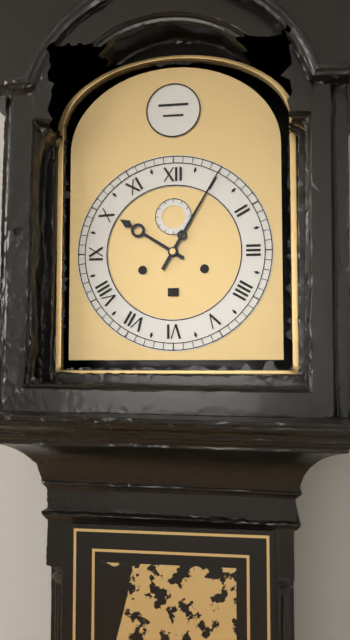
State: 10:05
